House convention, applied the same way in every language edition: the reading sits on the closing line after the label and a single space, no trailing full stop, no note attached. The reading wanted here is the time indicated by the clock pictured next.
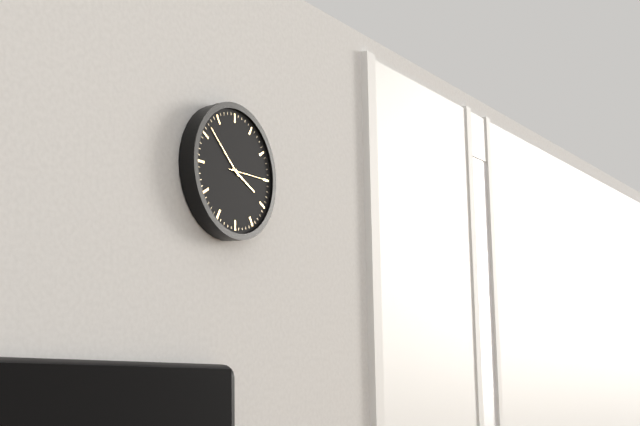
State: 3:52
